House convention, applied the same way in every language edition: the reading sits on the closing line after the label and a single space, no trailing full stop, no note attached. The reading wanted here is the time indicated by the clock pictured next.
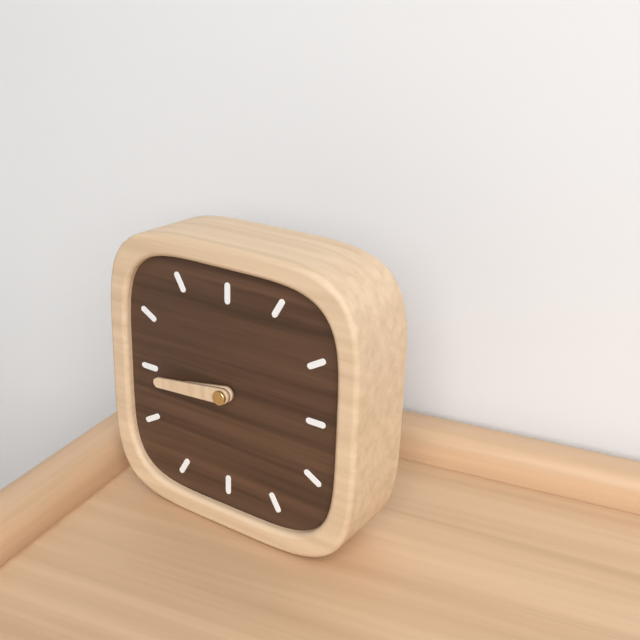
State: 8:44
